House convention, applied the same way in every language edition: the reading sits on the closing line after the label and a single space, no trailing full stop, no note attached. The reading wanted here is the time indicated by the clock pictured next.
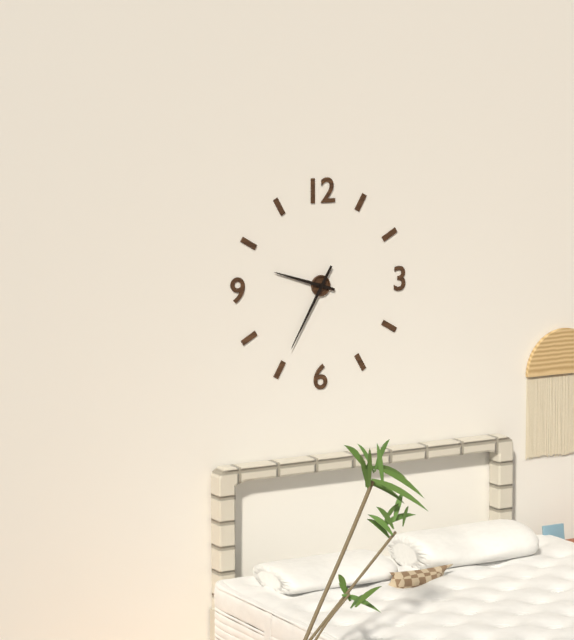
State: 9:35
